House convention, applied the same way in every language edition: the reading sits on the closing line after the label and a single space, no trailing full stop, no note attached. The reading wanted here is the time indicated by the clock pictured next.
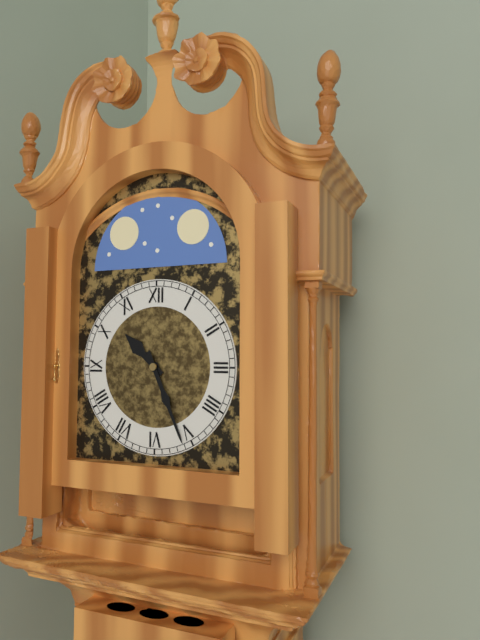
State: 10:26
